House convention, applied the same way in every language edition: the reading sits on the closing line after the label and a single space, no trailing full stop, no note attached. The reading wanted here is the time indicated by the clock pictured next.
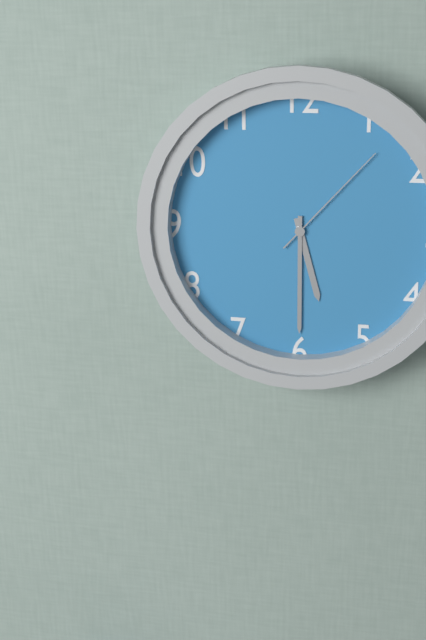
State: 5:30:07
